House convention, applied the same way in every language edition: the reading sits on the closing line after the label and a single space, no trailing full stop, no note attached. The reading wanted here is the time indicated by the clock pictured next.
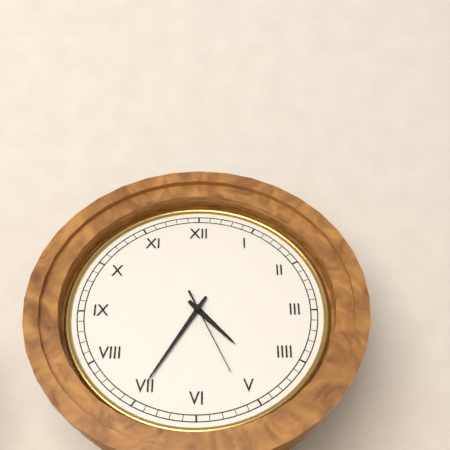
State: 4:35:26
